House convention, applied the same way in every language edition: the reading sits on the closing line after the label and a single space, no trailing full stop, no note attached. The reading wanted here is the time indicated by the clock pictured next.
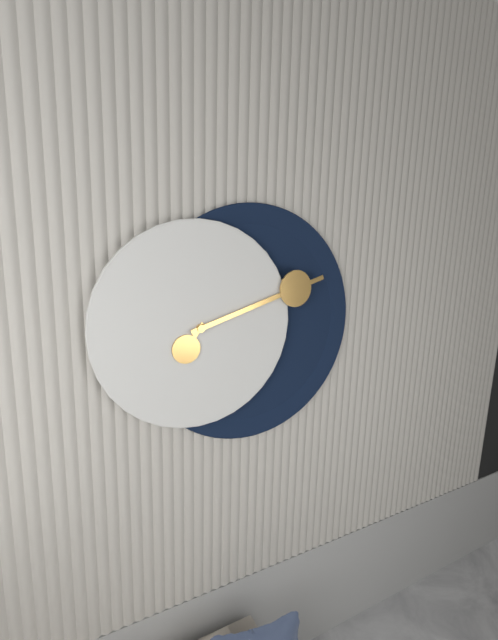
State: 7:12
